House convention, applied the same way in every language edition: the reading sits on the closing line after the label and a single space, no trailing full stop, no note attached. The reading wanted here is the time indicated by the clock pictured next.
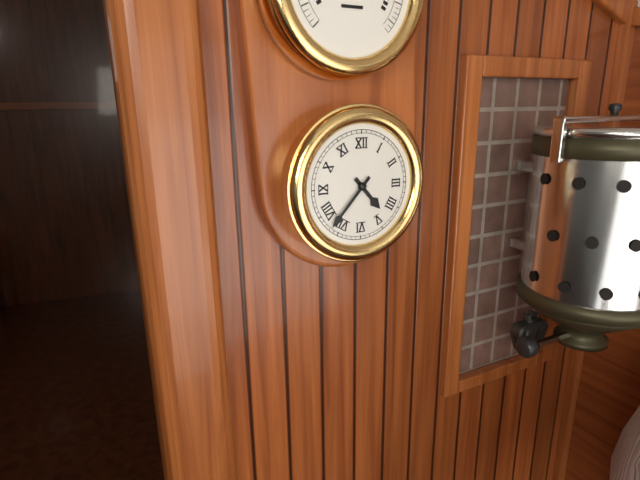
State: 4:37
